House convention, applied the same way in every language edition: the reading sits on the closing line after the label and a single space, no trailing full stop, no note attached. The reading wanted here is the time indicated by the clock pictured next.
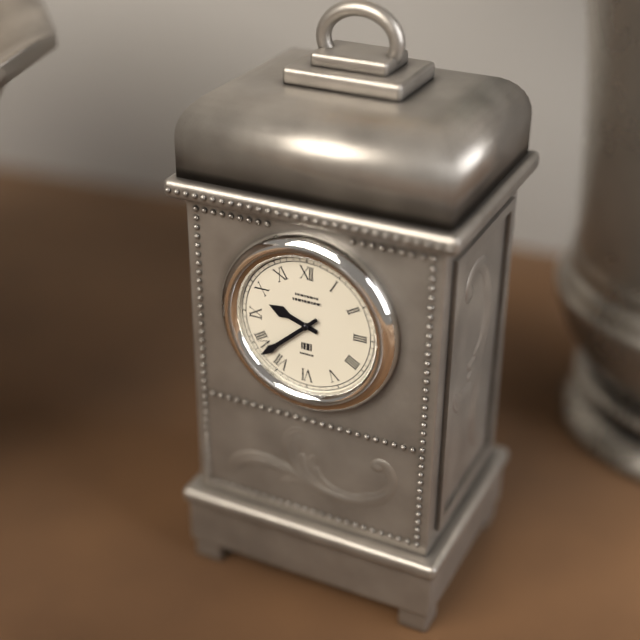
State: 9:38
